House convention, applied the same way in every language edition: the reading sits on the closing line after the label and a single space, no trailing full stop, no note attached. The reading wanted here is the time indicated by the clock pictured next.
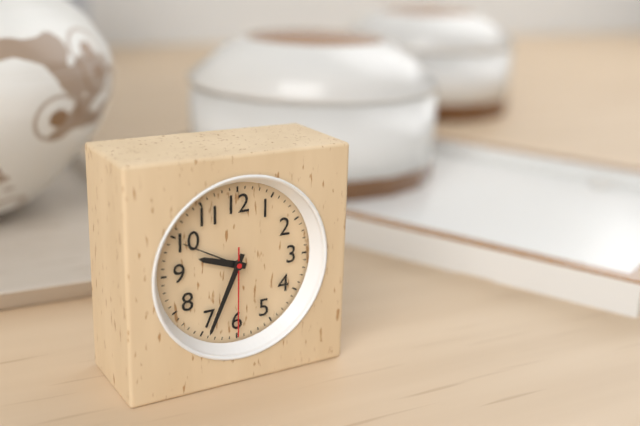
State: 9:34:30
